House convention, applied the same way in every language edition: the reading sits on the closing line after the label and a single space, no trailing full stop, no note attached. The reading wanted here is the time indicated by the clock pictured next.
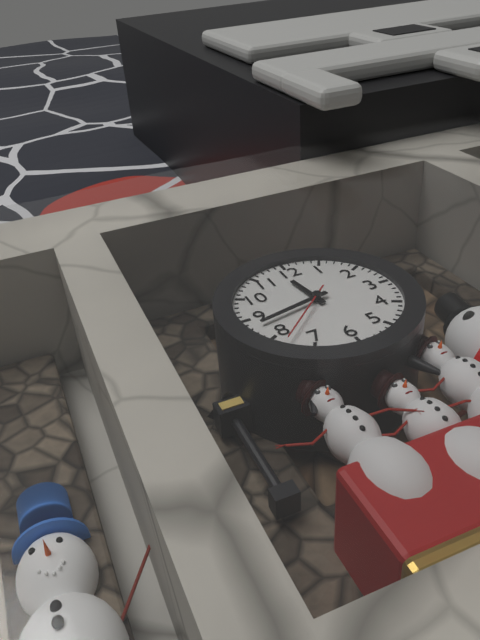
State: 11:43:38
